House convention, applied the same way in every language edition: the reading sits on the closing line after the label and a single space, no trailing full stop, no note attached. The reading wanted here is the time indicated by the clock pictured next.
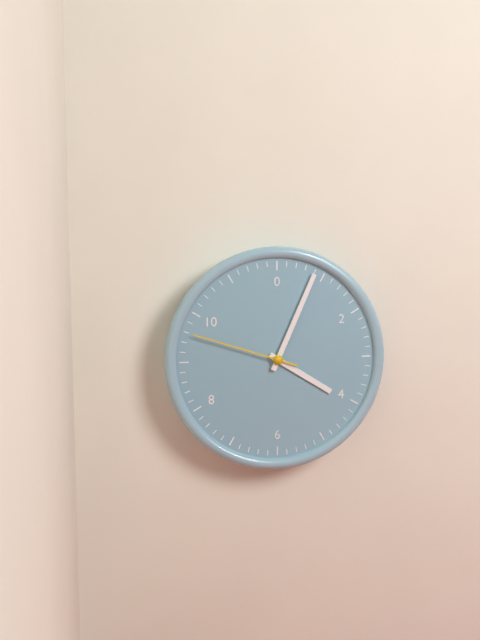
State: 4:04:48
